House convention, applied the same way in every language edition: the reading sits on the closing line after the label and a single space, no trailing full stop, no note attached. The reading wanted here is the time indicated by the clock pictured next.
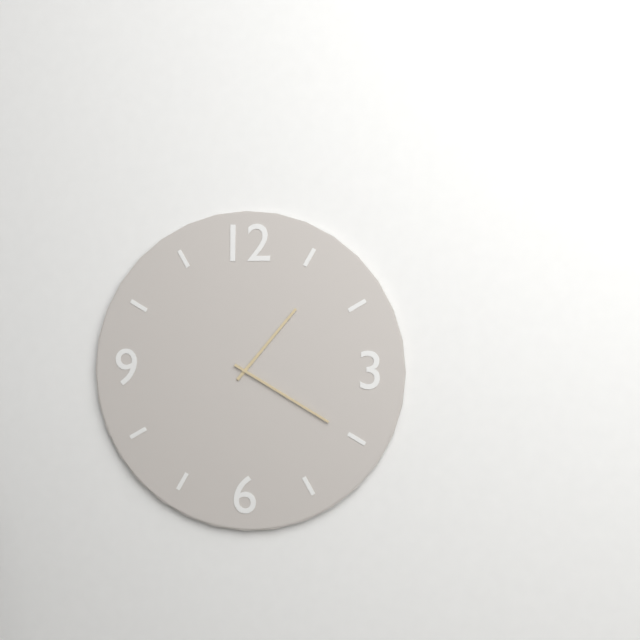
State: 1:20
